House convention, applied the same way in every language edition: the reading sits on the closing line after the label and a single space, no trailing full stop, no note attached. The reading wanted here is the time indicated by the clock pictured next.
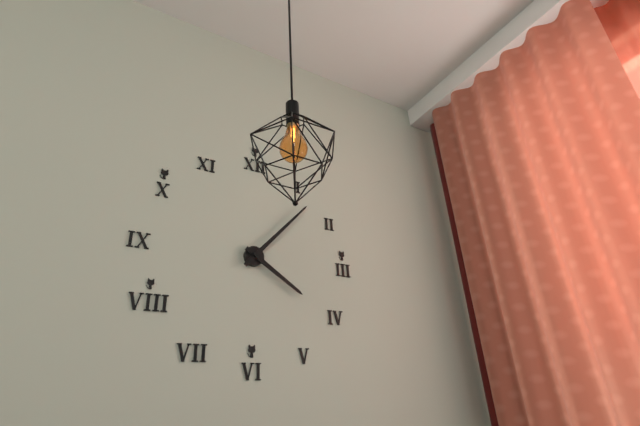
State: 4:07
